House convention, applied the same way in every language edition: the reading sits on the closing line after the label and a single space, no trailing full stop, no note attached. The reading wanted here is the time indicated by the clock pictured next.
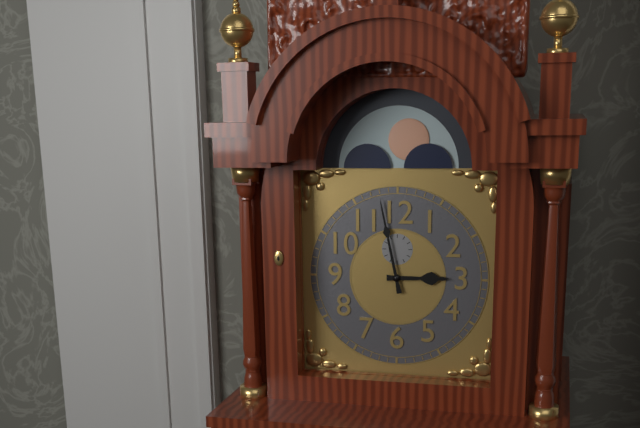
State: 2:58
